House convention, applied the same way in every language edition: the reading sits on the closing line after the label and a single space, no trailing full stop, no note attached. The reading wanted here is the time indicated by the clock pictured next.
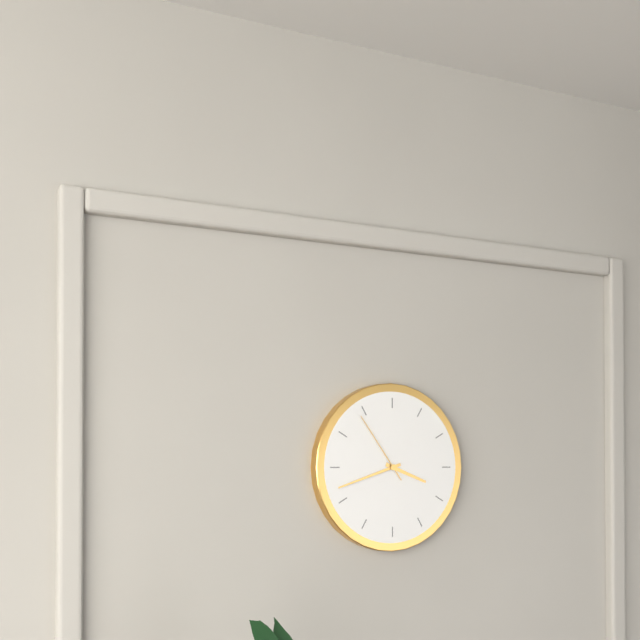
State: 3:42:54
